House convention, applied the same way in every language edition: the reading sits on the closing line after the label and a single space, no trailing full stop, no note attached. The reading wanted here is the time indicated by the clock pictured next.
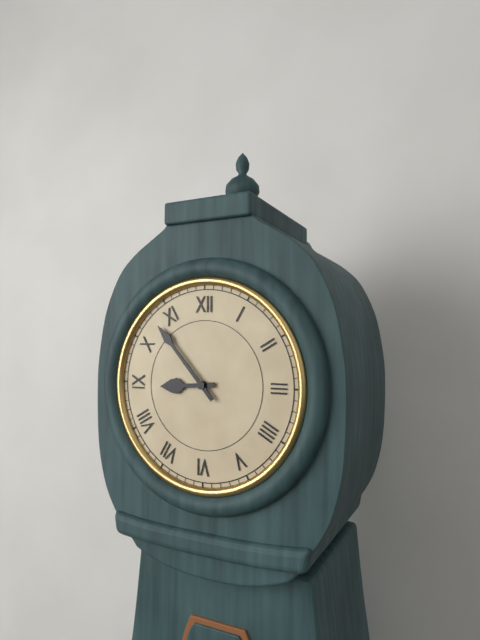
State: 8:53
